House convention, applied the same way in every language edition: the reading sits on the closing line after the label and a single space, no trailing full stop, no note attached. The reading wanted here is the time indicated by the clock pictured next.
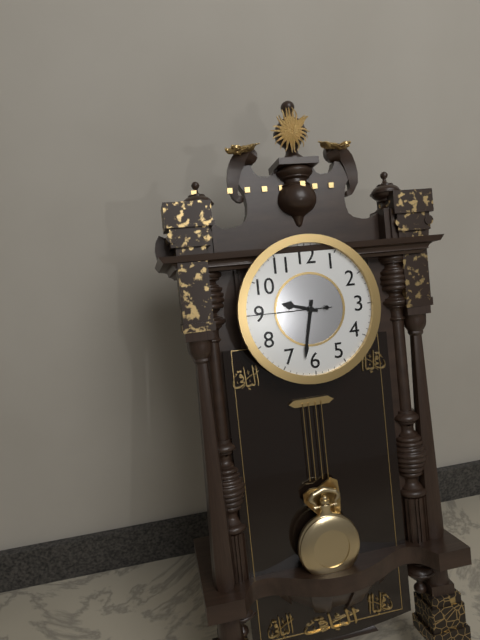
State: 9:32:45
